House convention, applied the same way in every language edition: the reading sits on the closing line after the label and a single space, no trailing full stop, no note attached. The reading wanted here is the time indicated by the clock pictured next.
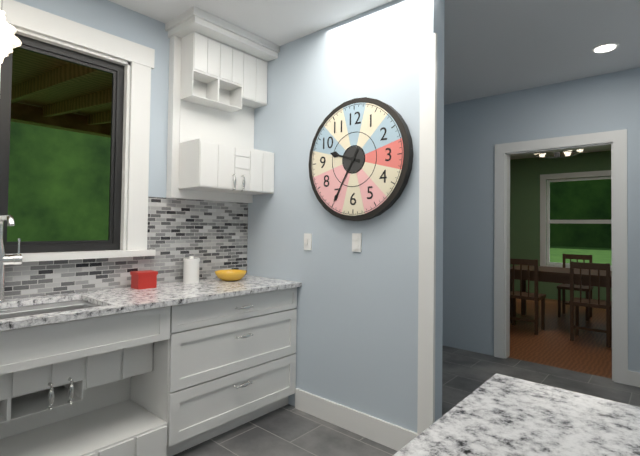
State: 9:35
